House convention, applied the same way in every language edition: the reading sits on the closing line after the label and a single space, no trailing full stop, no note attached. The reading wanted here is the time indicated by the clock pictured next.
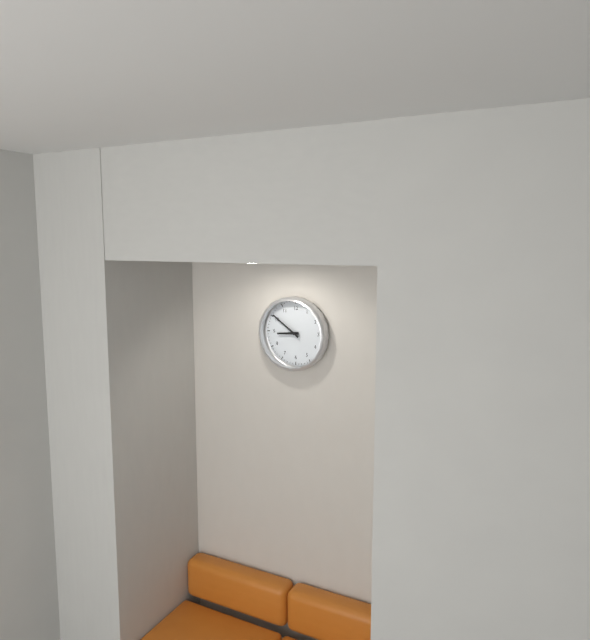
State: 8:51
